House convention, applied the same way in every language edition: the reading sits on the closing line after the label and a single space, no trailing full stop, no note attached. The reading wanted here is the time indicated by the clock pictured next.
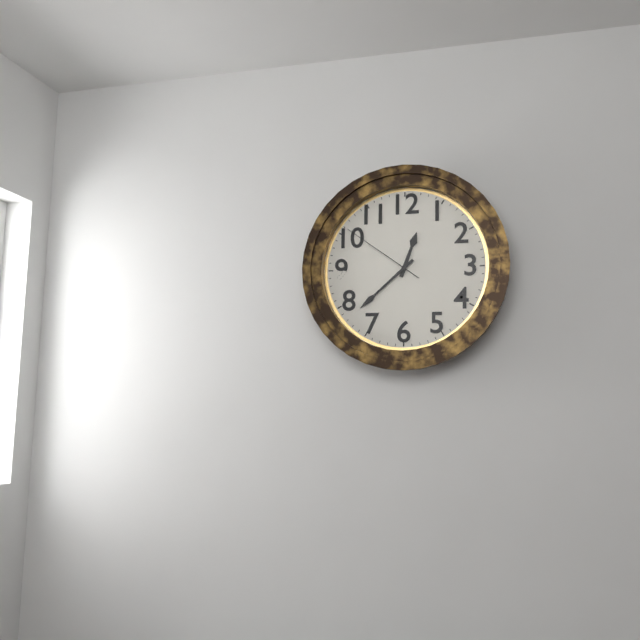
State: 12:38:51
